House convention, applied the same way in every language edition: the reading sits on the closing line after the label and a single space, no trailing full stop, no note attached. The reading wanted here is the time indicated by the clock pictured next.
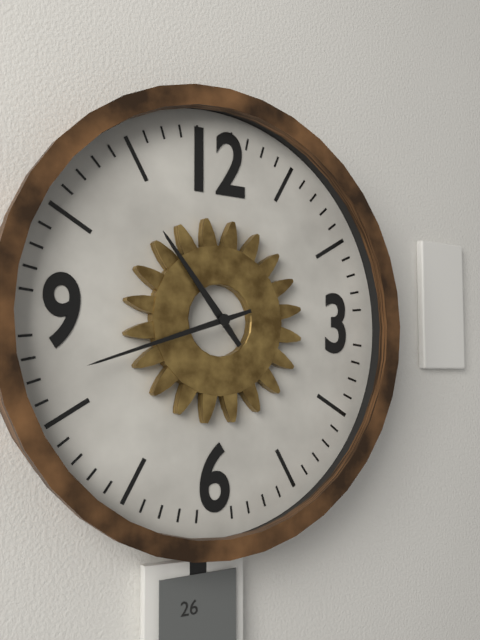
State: 10:42
